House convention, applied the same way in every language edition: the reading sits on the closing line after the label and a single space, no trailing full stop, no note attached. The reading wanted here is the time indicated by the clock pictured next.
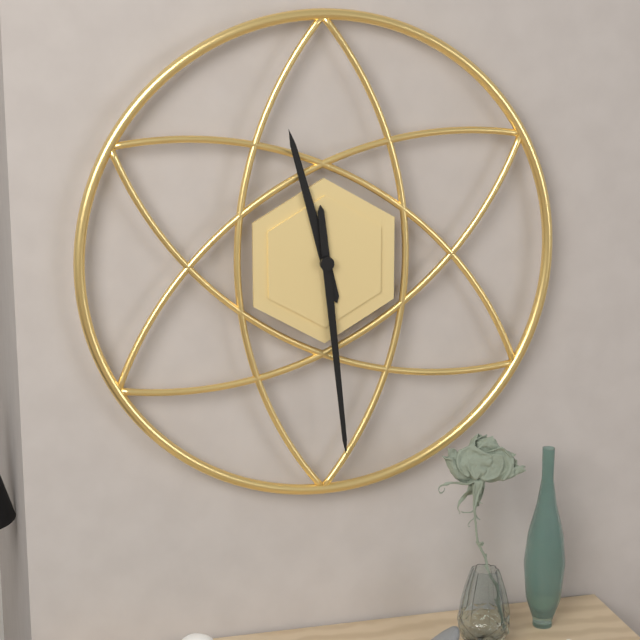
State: 11:29
